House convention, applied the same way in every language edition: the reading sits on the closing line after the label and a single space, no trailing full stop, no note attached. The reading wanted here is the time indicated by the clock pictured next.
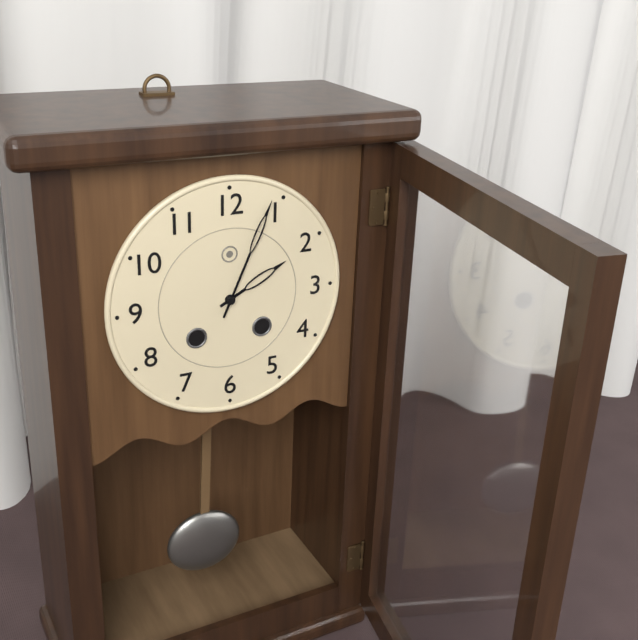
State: 2:04
